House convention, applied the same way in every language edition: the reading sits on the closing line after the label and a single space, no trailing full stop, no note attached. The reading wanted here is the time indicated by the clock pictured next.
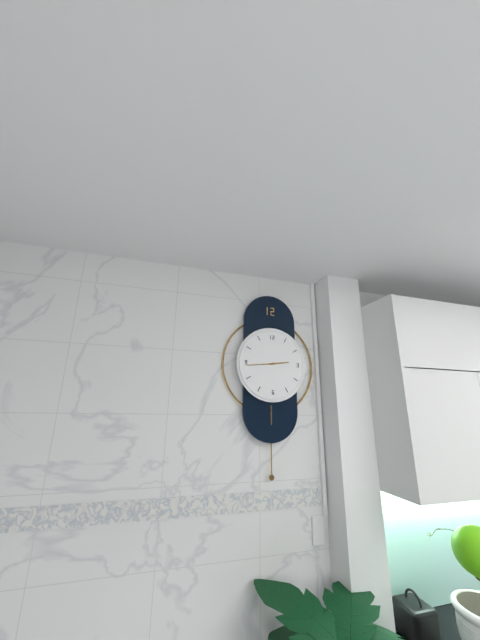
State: 2:44
